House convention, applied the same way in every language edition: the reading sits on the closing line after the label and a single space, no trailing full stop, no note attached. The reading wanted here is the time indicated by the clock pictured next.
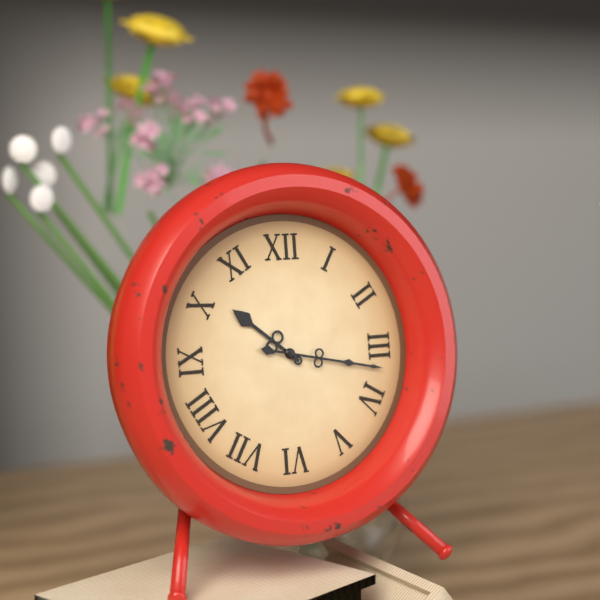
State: 10:17
